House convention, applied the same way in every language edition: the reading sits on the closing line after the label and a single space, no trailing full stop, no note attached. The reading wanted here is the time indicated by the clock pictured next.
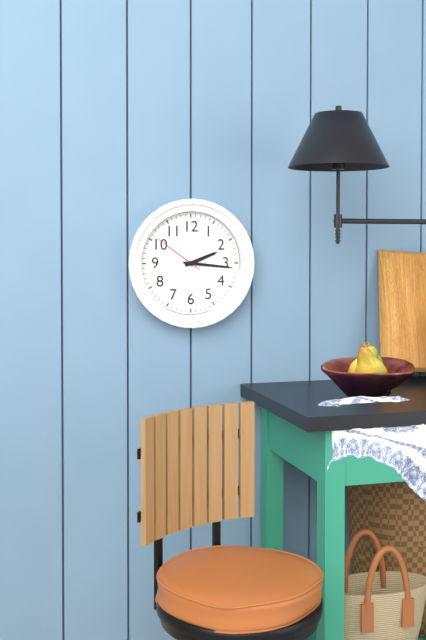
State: 2:16:51
